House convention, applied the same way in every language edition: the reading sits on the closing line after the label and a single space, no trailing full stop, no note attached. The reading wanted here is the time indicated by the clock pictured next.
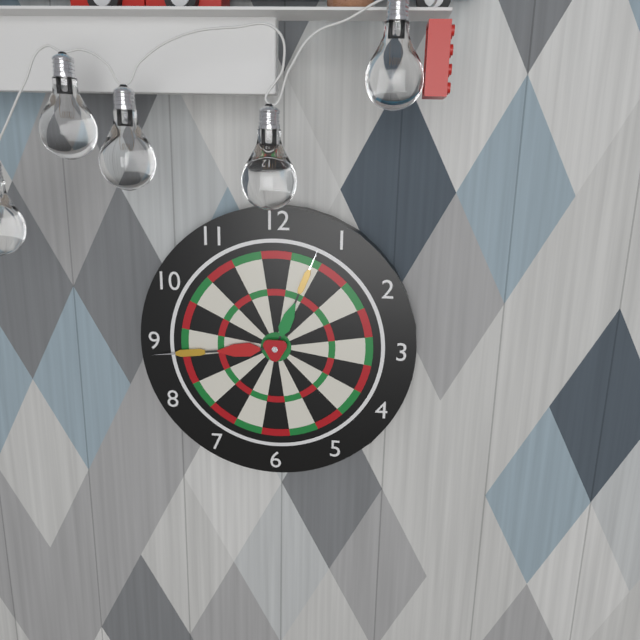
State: 12:44
